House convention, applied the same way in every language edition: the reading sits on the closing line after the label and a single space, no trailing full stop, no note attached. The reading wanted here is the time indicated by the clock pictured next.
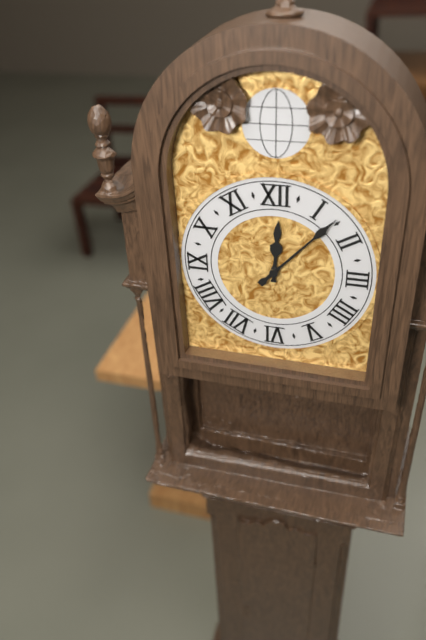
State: 12:07
